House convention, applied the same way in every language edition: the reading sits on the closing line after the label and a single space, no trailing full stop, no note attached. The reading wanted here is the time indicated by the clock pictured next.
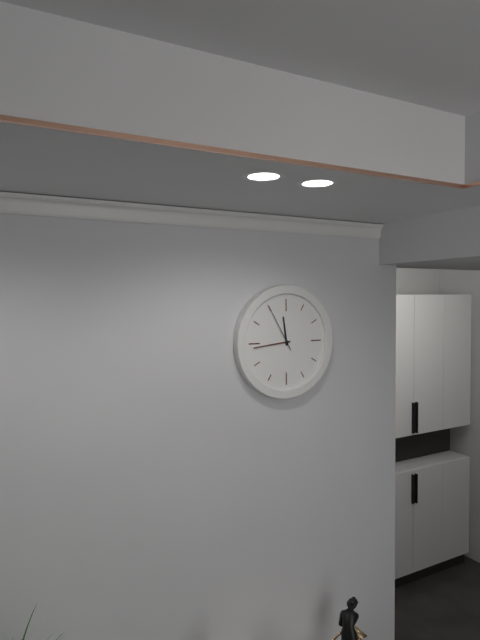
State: 11:44
